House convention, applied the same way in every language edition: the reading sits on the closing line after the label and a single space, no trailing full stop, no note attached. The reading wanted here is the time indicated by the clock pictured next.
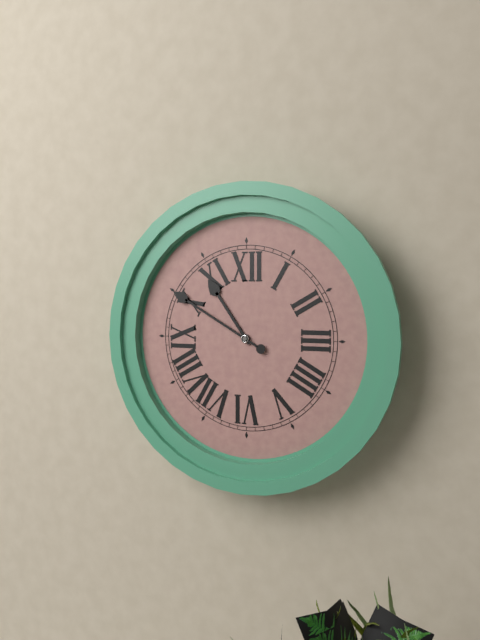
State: 10:50
